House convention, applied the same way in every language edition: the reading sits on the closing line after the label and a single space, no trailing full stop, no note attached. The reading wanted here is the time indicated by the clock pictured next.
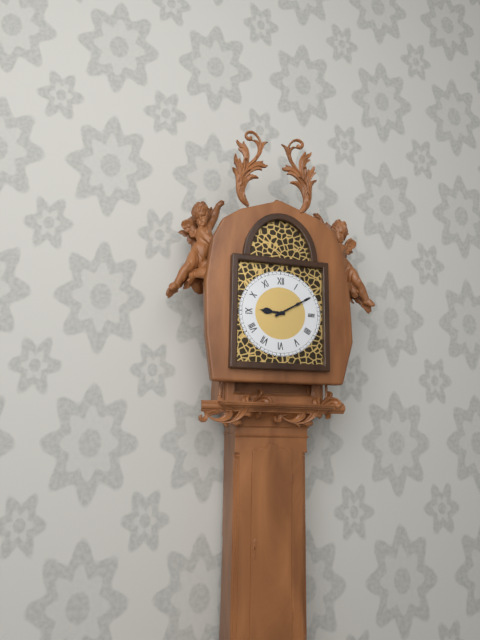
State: 9:10
